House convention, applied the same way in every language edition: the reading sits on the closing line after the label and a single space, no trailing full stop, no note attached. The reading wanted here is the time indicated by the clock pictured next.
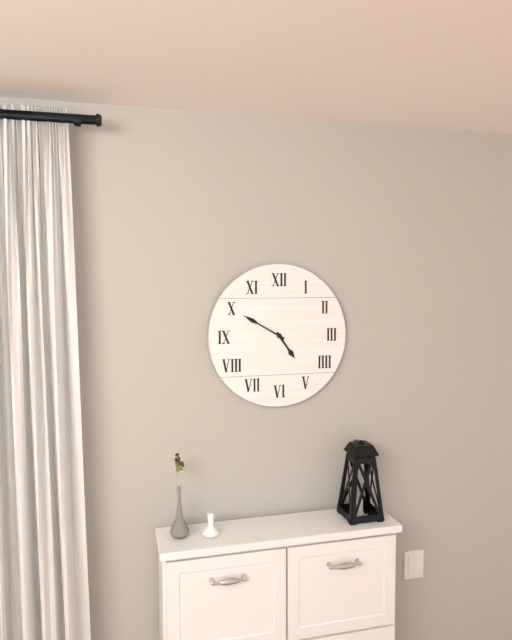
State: 4:50
